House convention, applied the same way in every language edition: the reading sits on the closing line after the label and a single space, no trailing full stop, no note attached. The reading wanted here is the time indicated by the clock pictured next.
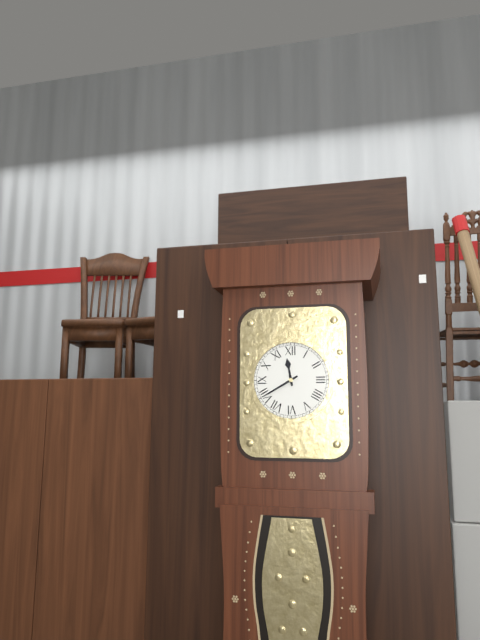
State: 11:40
